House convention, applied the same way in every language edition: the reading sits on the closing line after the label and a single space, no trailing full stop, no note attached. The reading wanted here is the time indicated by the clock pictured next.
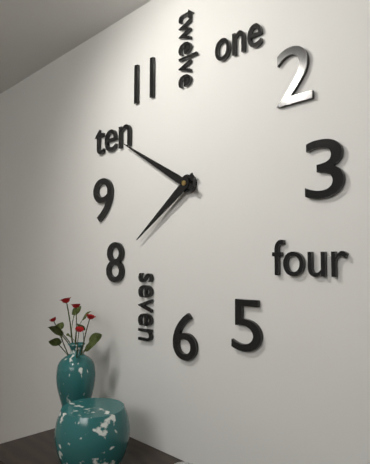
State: 7:50
